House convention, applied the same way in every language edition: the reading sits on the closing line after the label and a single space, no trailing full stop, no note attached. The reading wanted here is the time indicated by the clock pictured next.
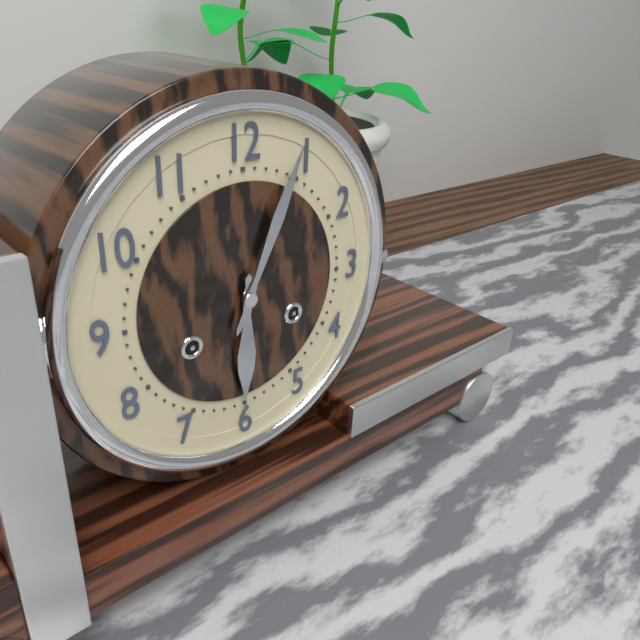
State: 6:04
